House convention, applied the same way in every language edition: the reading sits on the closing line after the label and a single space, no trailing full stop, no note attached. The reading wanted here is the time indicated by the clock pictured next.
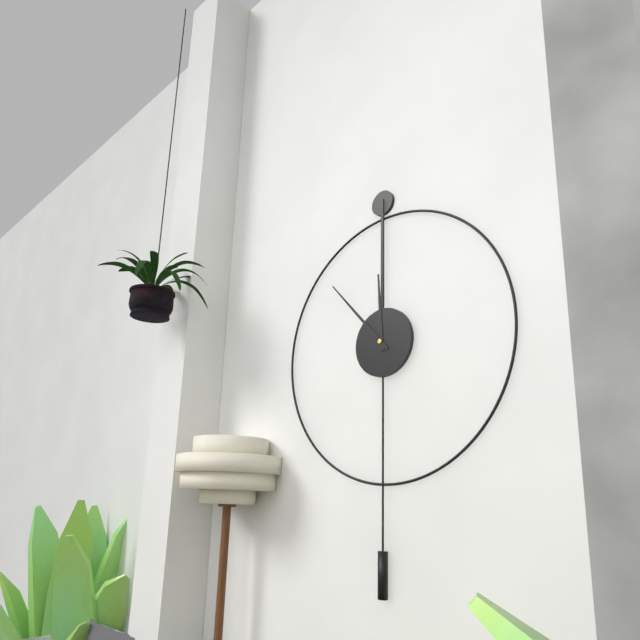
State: 11:53
